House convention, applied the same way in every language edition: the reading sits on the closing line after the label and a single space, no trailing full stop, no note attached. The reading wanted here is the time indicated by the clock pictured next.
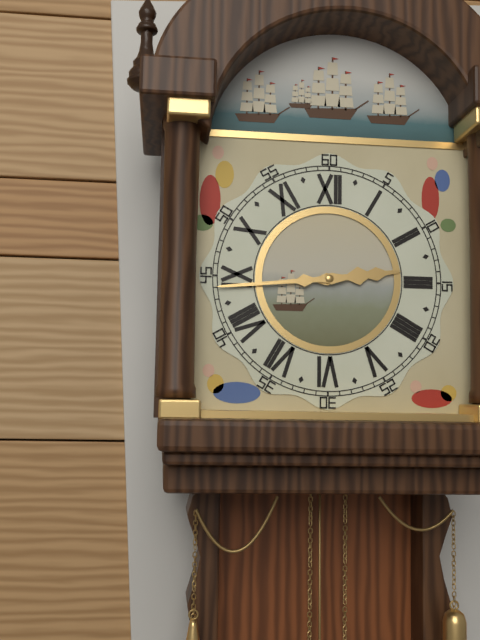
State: 2:44
